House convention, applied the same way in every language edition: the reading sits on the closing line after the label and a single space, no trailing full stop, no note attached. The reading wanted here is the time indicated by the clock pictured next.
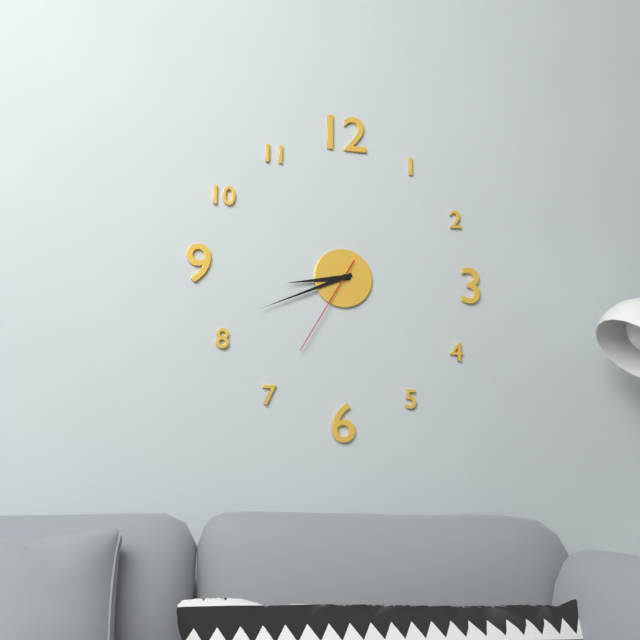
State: 8:41:35
